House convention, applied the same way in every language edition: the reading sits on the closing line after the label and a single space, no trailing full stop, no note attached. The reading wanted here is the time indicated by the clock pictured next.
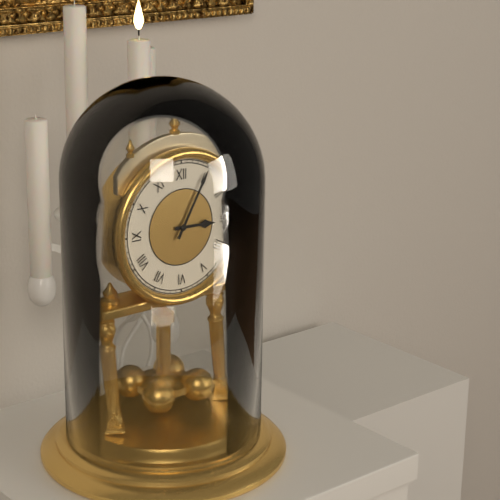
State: 3:05
